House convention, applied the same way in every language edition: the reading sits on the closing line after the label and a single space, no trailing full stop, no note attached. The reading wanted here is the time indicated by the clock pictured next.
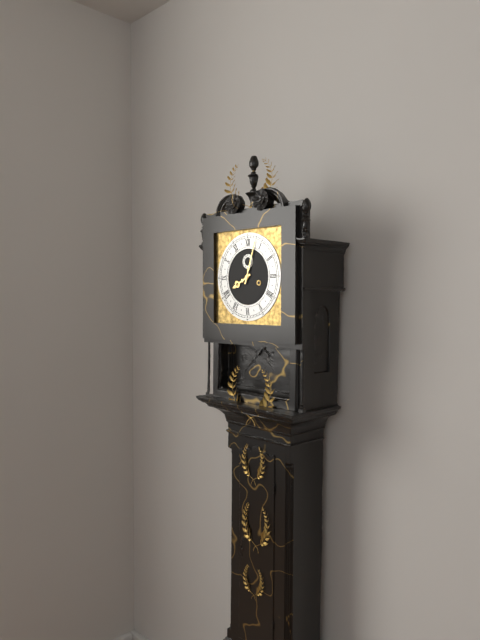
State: 8:03
